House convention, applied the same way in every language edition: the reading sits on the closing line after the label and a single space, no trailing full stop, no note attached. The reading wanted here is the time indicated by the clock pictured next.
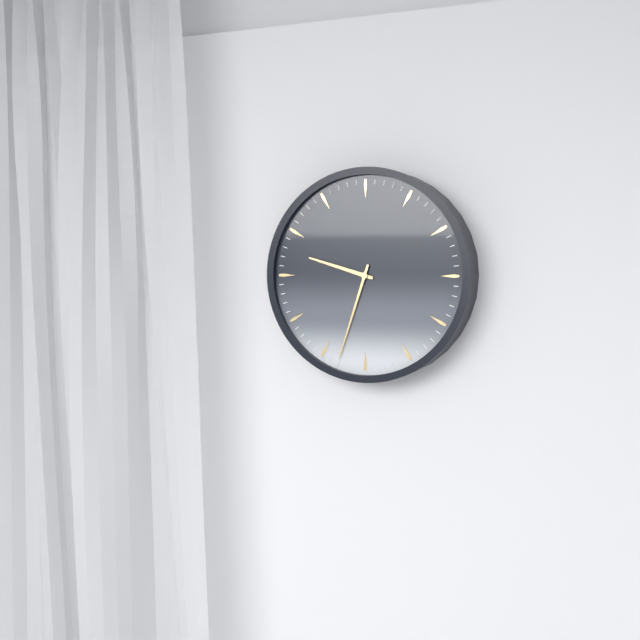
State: 9:33
